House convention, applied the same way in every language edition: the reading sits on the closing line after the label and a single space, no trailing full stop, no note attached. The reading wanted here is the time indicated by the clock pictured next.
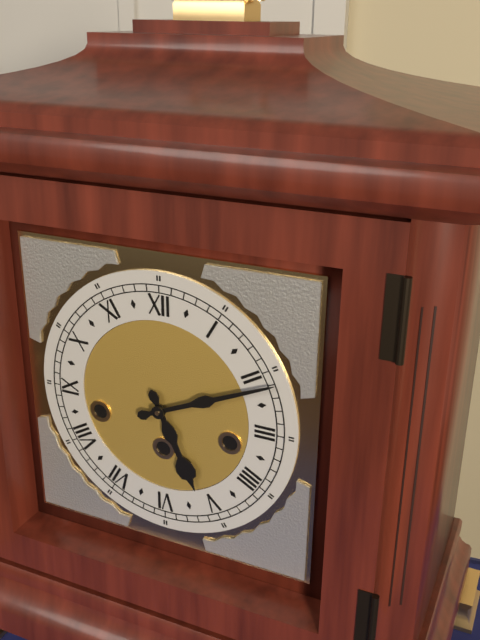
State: 5:11
